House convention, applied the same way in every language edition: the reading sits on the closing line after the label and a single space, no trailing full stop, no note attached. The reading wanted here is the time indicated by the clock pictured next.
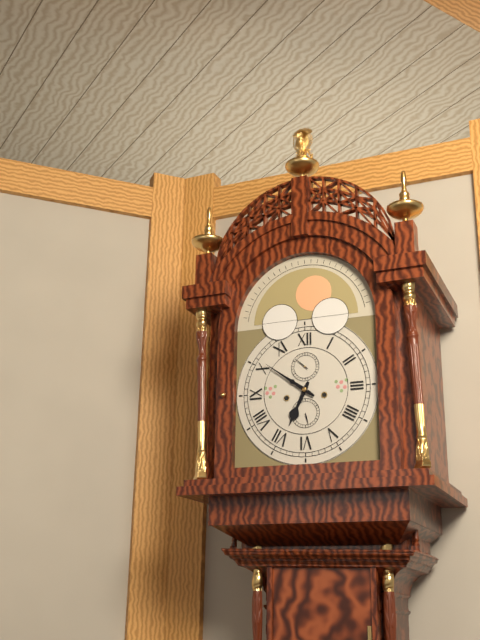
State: 6:51
